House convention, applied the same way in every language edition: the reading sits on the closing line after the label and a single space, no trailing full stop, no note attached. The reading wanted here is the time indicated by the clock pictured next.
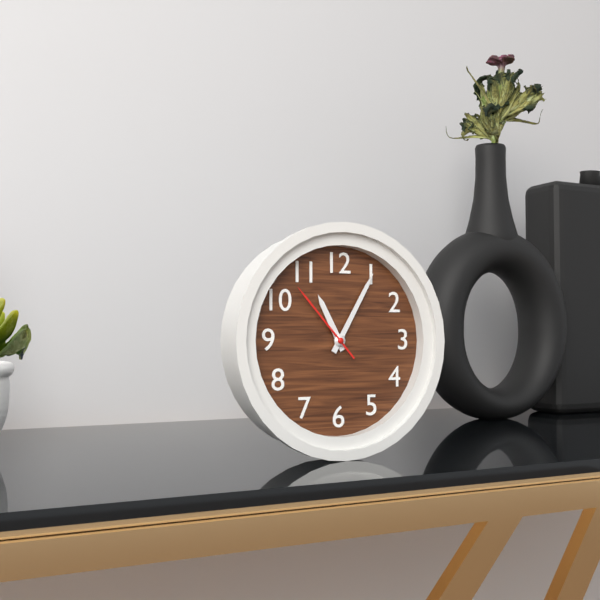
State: 11:05:53
